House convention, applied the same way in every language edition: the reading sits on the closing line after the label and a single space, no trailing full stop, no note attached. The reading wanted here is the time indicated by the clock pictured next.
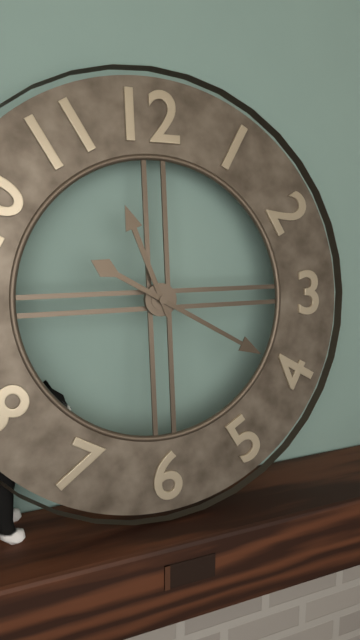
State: 11:20
